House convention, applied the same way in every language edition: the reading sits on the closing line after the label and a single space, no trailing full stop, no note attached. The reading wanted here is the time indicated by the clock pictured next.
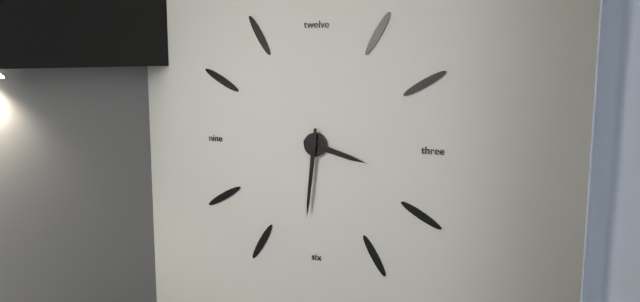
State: 3:31
